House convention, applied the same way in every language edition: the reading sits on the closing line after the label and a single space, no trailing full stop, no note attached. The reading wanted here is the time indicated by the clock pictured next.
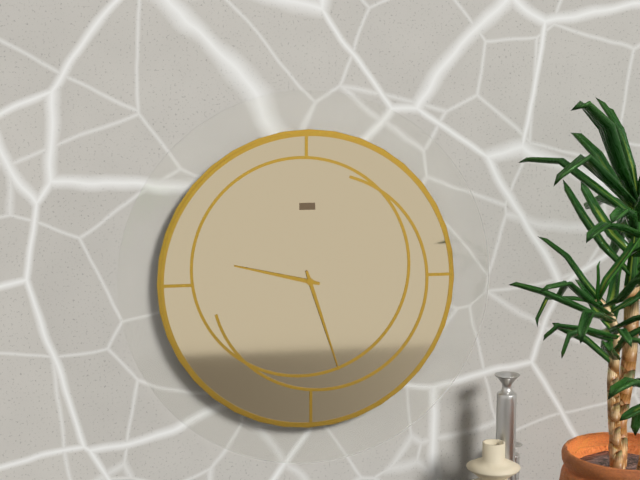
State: 9:27
